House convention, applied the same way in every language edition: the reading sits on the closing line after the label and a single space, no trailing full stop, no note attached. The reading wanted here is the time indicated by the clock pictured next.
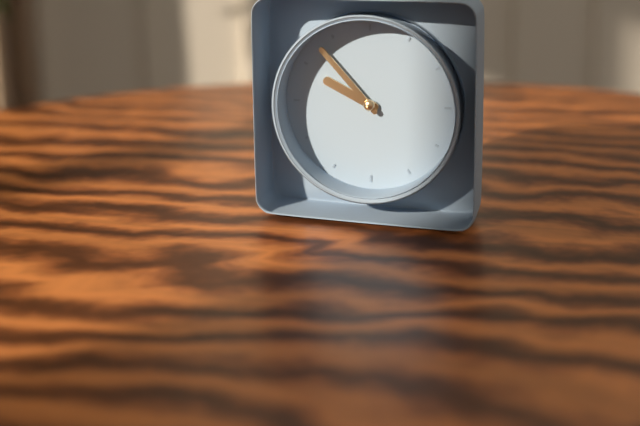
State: 9:53
